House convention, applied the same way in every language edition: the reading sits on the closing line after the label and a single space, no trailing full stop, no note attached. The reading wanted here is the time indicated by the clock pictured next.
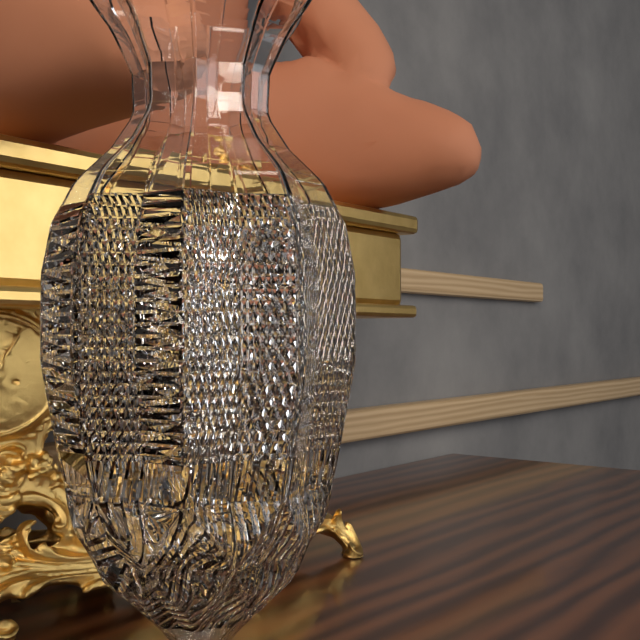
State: 9:10
